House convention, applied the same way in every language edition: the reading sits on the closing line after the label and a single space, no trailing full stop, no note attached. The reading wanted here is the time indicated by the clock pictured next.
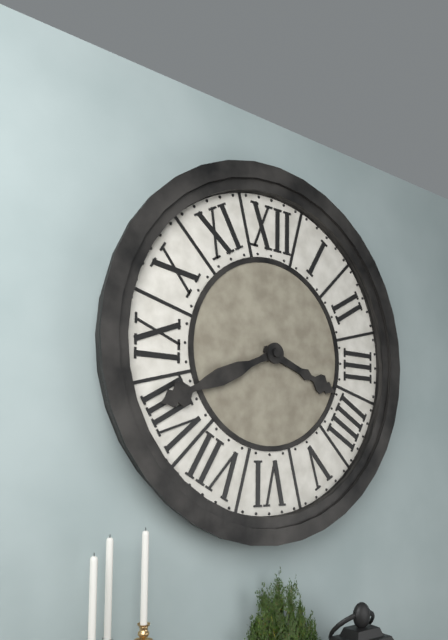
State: 3:41
